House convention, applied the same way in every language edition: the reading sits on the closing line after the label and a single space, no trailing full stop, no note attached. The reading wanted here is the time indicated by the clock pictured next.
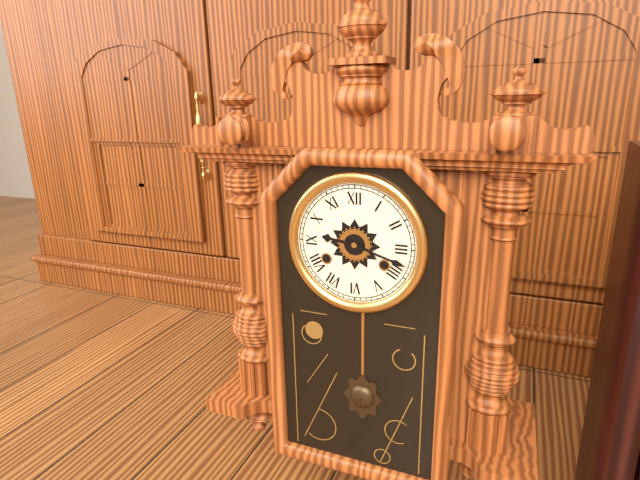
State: 9:18
